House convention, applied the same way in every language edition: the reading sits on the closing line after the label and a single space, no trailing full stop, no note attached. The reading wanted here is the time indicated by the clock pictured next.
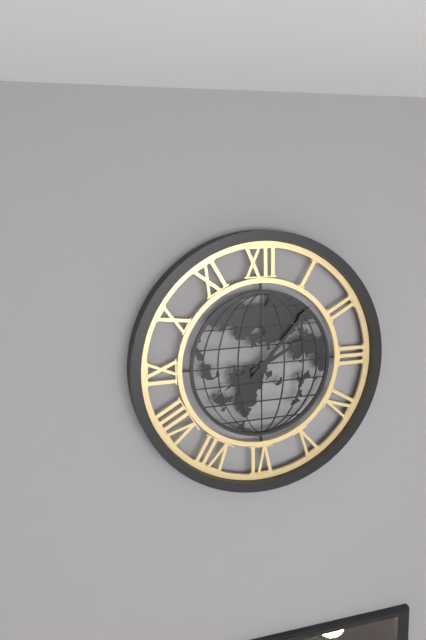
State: 2:07
